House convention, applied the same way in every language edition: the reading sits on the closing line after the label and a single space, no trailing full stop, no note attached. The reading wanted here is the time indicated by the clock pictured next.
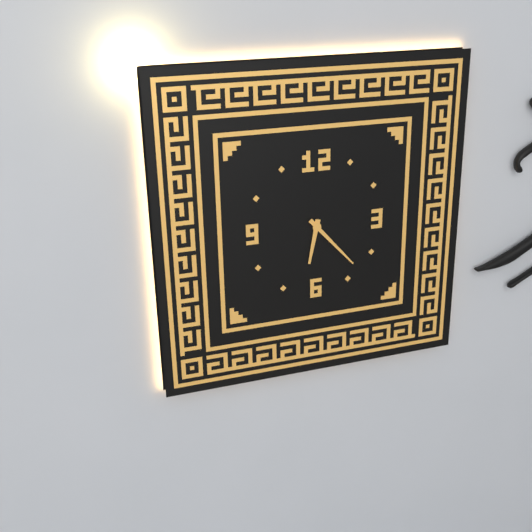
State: 6:23
